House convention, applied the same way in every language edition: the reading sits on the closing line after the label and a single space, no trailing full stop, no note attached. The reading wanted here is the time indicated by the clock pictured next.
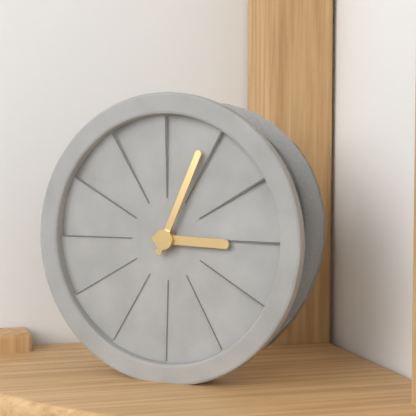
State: 3:04
